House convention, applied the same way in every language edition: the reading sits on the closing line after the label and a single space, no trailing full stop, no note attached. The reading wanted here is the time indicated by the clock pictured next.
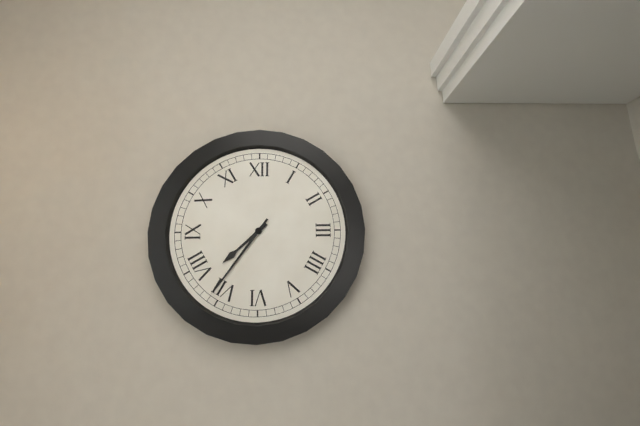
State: 7:36
